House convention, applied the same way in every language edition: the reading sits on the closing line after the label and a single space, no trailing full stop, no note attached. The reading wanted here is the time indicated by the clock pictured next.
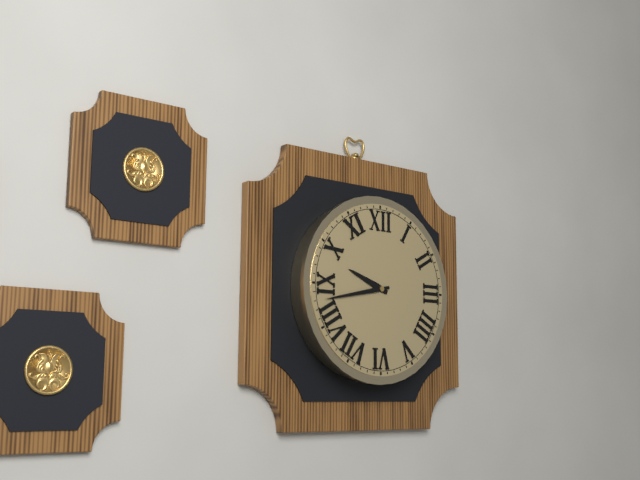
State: 9:43
